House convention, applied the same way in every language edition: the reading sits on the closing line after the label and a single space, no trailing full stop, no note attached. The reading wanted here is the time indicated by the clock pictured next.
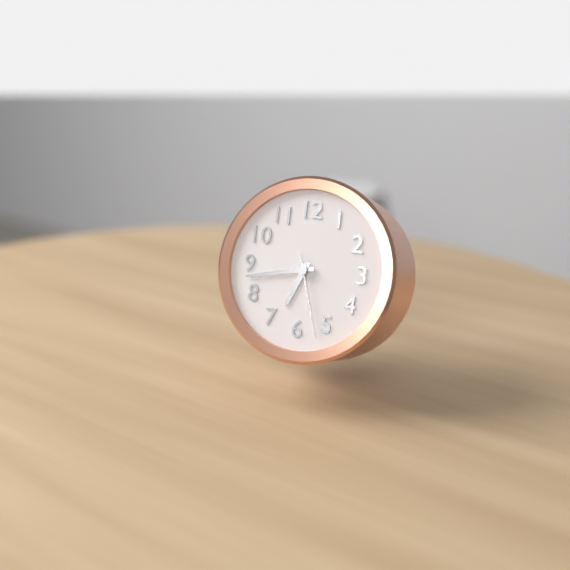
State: 6:43:27
